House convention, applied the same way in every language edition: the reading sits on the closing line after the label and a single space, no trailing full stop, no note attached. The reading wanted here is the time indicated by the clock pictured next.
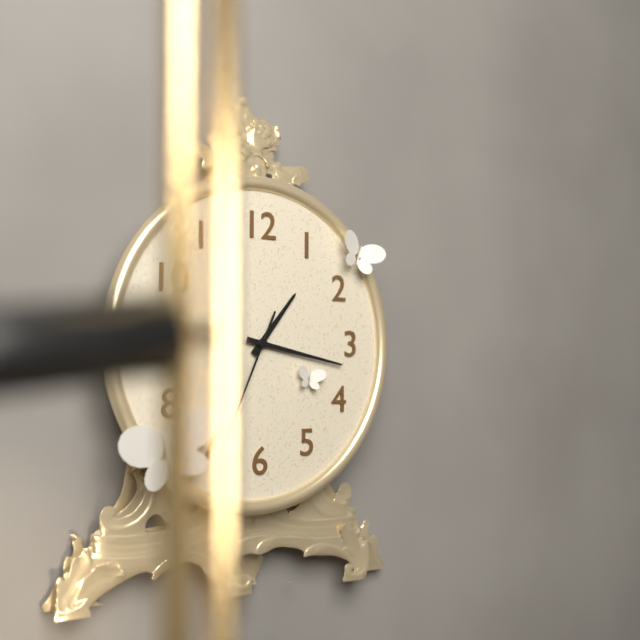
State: 1:17
